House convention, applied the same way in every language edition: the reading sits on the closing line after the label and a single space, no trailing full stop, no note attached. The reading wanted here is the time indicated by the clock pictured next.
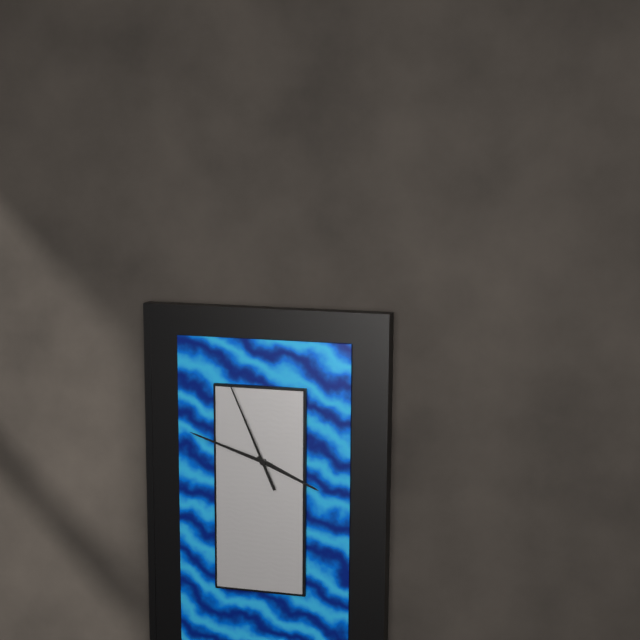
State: 3:48:56
